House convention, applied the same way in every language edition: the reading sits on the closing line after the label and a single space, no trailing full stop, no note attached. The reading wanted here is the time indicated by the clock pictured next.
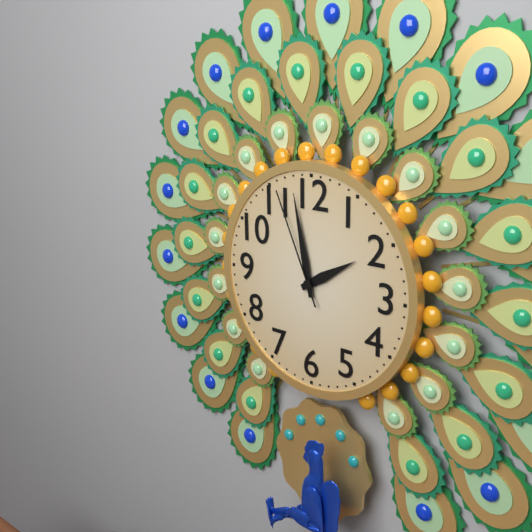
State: 1:58:56
